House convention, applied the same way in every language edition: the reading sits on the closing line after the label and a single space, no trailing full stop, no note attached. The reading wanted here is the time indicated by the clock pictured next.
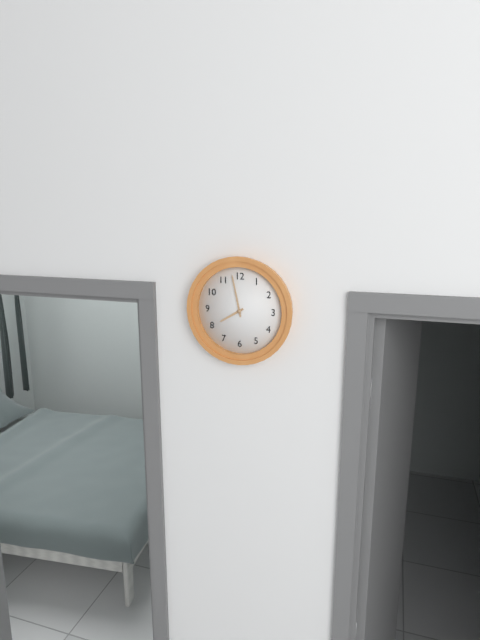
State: 7:58
